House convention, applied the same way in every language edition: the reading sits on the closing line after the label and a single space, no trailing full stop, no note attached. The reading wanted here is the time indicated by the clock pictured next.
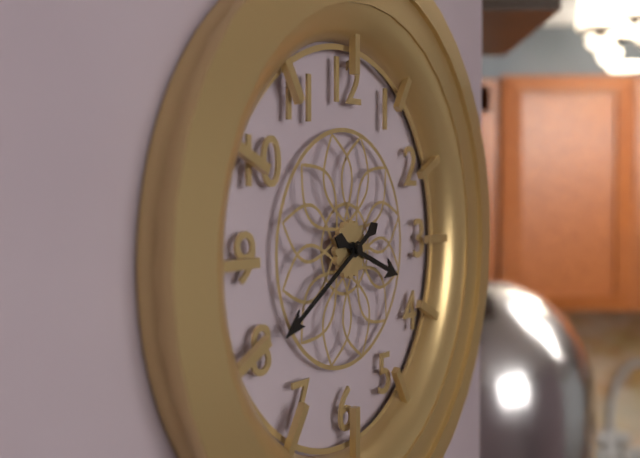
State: 3:40
